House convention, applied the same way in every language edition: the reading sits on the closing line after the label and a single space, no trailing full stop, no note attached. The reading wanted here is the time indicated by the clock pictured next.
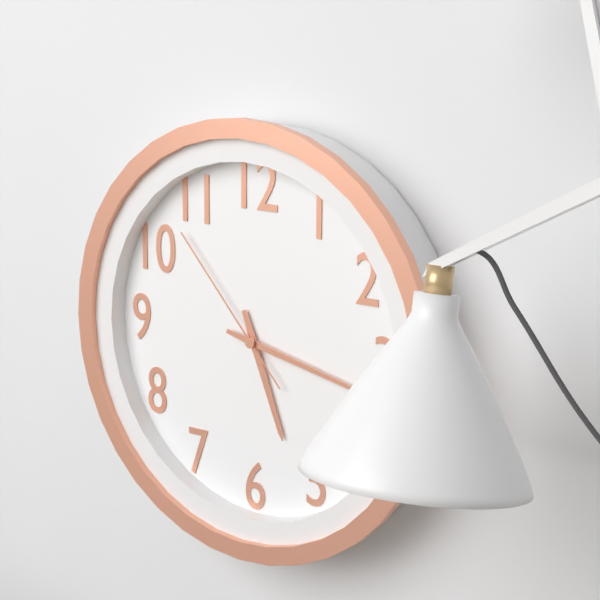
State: 5:17:53
